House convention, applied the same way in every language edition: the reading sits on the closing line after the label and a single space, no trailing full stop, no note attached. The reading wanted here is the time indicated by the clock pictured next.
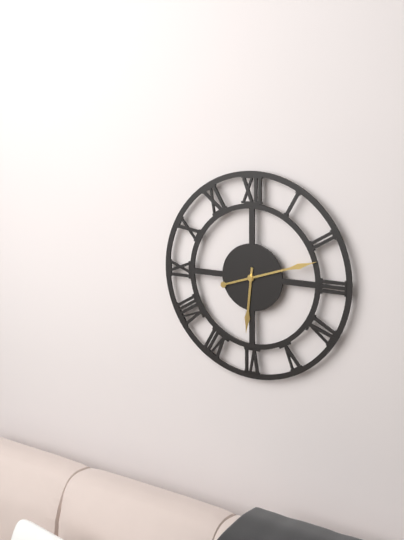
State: 6:12
